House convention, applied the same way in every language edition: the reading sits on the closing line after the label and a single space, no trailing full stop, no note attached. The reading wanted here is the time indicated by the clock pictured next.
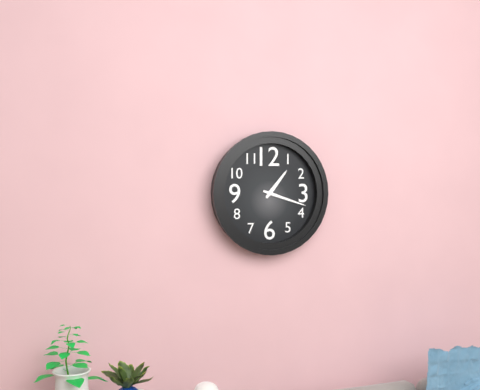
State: 1:18
